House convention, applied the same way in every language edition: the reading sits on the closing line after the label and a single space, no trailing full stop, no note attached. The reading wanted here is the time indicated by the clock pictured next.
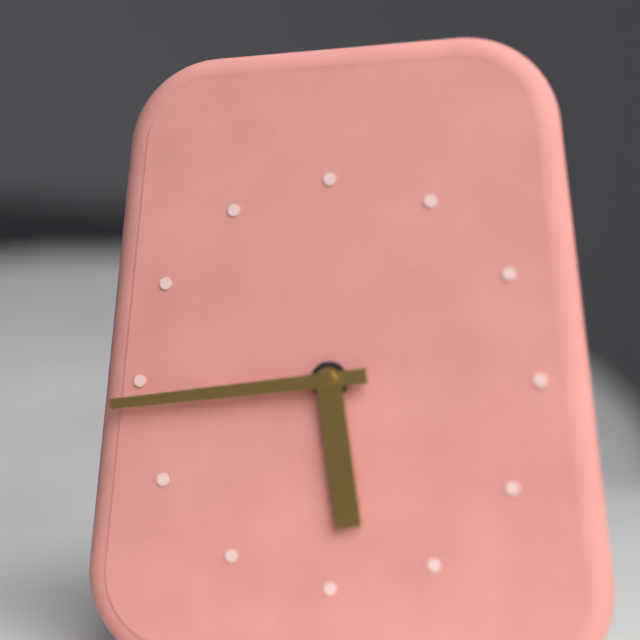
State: 5:44
